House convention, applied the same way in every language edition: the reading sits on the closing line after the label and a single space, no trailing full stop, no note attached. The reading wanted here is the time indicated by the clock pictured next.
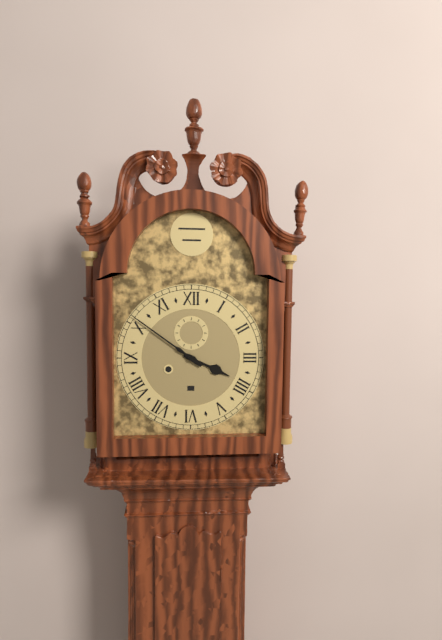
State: 3:51
